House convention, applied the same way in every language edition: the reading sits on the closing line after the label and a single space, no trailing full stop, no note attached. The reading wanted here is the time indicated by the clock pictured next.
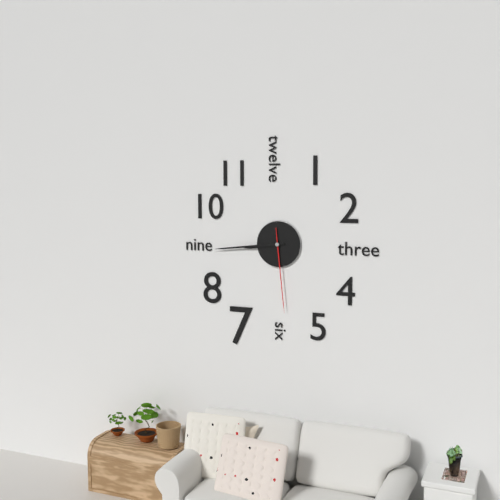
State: 8:44:29
